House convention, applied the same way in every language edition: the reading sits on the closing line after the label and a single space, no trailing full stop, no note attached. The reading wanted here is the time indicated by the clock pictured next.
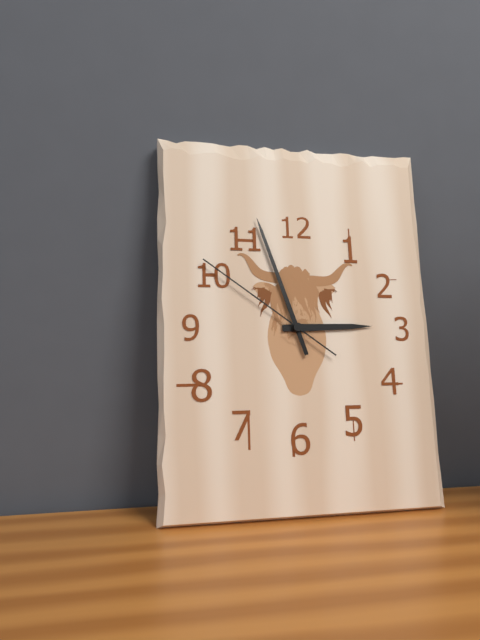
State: 2:57:51
